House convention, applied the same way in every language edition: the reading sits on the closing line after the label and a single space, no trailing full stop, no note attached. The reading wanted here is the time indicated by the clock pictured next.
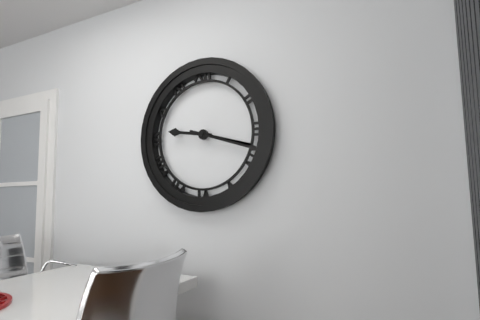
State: 9:18
